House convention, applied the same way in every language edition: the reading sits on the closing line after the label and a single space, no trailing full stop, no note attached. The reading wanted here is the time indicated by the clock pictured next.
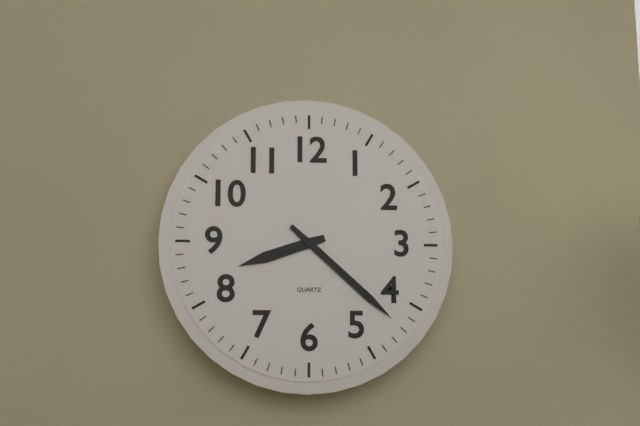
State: 8:22
